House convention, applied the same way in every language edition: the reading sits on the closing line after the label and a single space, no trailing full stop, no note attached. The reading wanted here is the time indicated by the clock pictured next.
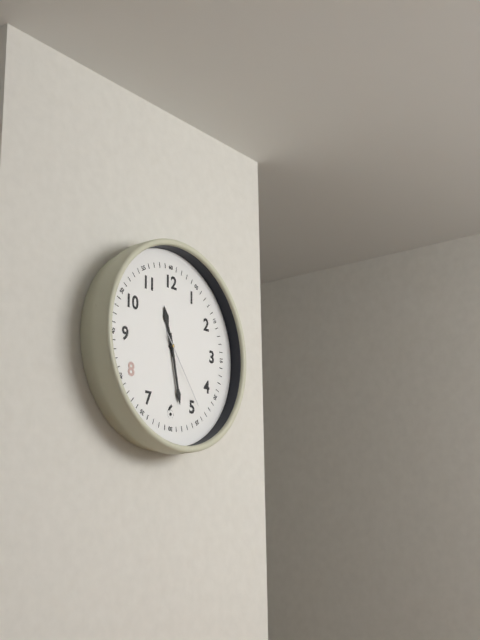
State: 11:28:24
